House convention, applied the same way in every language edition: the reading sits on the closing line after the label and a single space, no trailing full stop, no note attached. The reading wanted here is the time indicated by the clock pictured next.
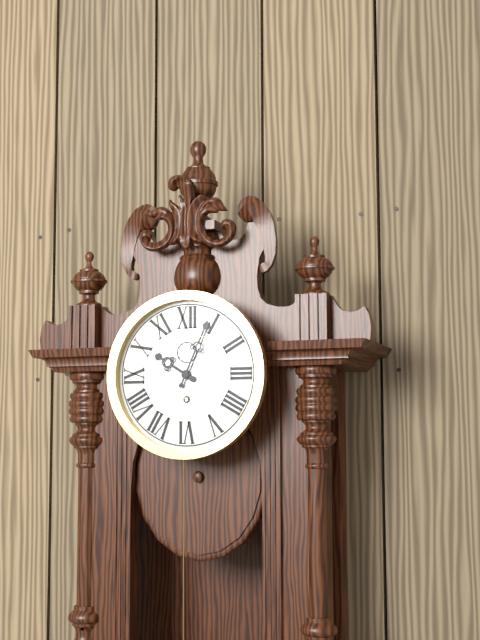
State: 10:04
